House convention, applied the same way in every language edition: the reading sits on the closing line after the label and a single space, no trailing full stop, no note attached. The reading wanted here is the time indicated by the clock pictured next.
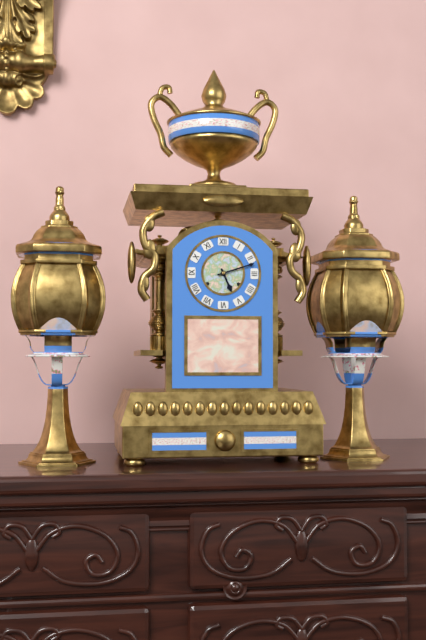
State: 5:12
